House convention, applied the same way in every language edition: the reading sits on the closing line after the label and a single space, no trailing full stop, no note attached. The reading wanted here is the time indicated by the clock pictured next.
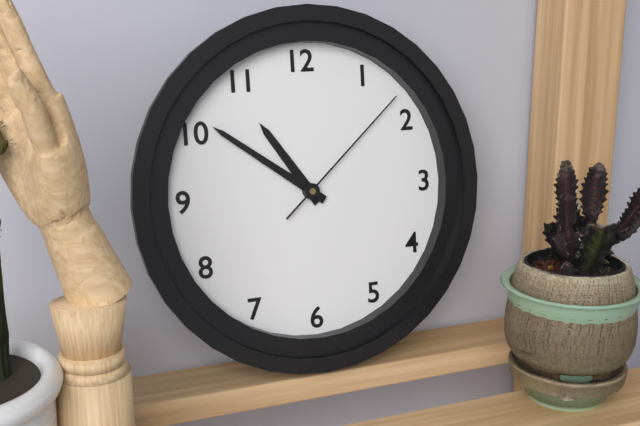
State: 10:51:08
